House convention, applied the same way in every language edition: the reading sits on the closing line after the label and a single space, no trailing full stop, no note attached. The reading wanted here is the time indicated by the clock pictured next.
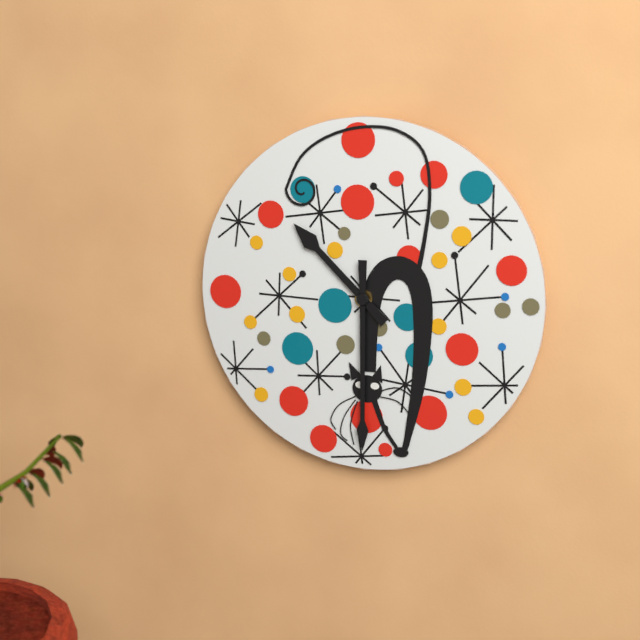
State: 10:30
